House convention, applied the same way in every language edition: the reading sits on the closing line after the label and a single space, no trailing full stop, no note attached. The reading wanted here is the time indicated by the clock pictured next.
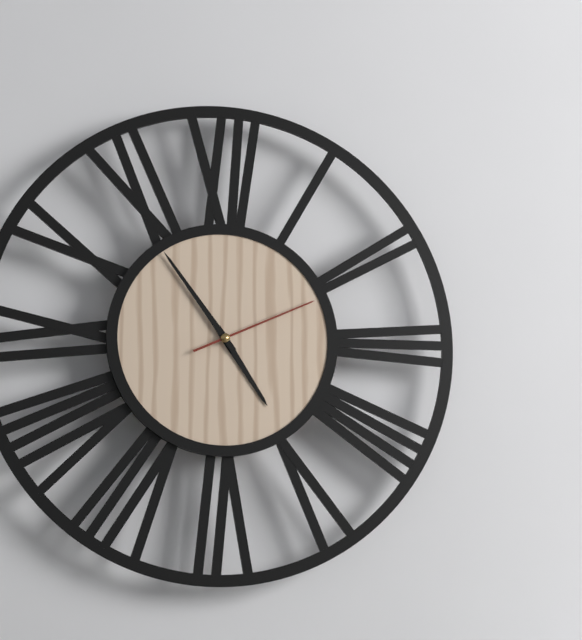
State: 4:54:11
